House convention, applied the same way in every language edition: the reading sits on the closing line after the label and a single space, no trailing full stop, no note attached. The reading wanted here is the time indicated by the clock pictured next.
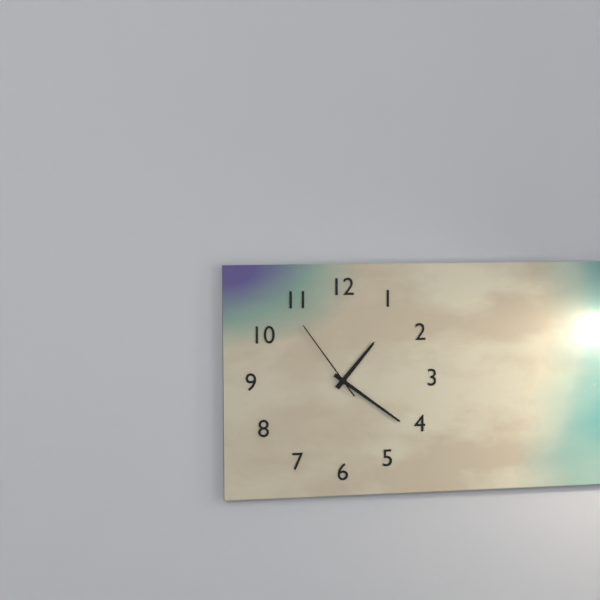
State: 1:21:54
